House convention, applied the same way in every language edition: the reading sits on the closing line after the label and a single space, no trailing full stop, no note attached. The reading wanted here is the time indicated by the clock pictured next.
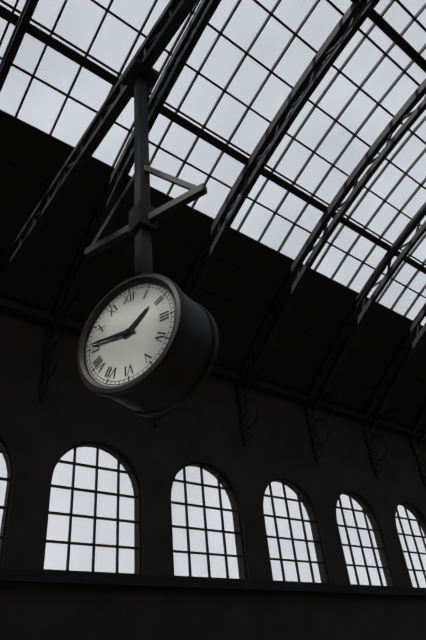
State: 1:46
